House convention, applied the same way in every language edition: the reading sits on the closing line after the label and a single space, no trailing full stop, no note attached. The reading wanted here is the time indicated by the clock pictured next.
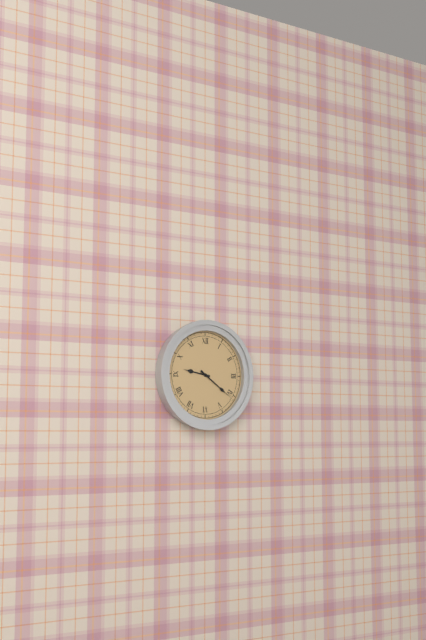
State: 9:21
